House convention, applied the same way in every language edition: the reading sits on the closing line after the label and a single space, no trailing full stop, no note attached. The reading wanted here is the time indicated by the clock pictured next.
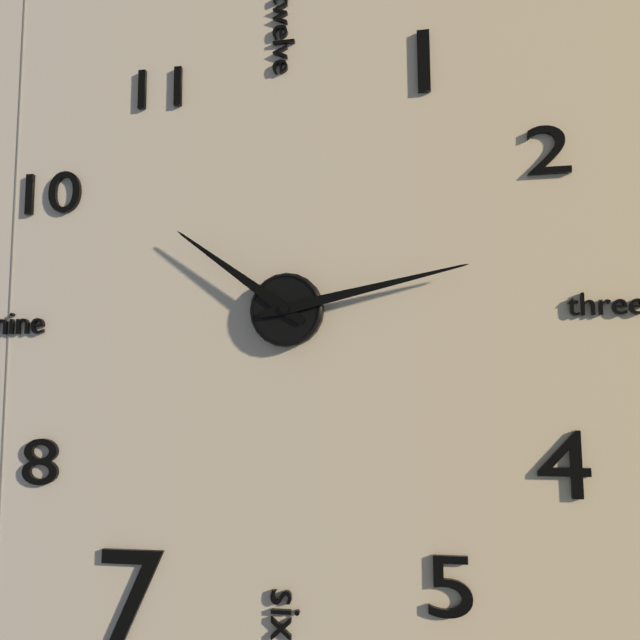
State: 10:13
